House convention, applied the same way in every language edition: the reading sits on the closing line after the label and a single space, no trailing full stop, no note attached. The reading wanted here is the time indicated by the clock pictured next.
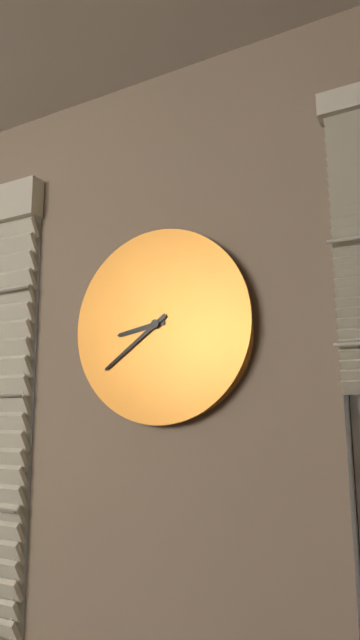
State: 8:39
